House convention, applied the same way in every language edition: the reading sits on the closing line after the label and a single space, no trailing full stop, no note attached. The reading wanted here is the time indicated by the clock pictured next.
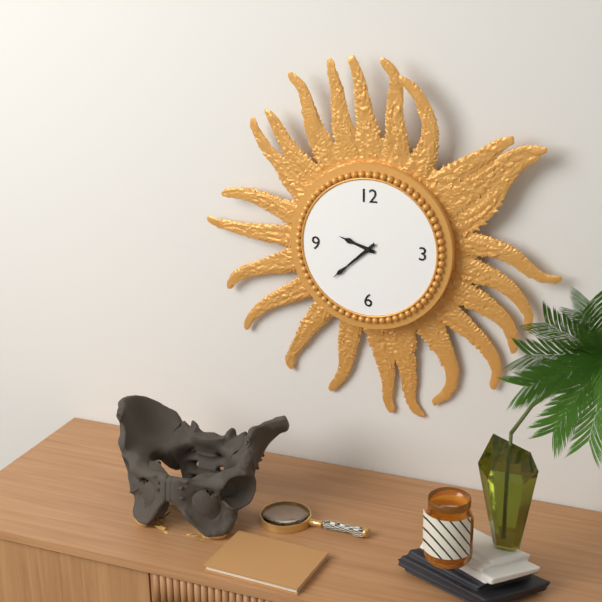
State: 9:38
